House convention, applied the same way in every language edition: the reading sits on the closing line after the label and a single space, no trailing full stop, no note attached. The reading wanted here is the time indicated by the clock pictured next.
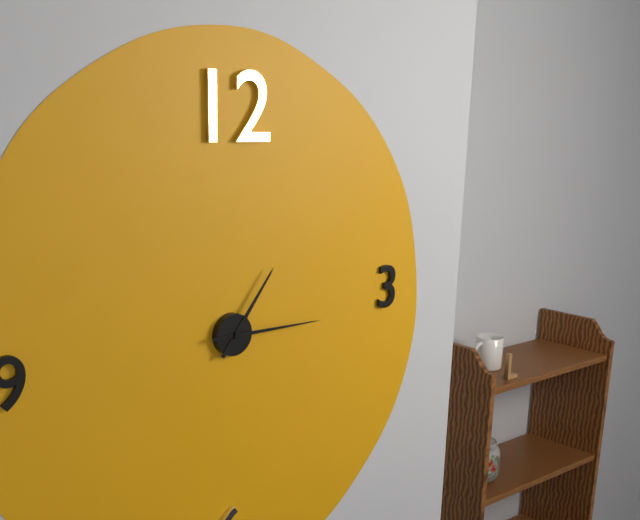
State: 1:15
